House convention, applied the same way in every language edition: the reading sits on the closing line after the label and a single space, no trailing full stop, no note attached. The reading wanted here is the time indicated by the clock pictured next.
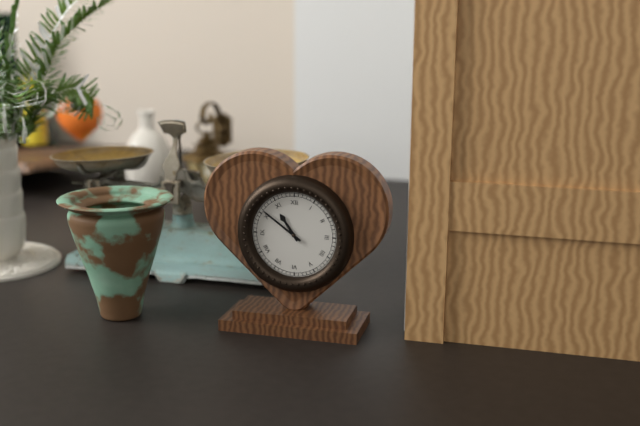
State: 10:51
